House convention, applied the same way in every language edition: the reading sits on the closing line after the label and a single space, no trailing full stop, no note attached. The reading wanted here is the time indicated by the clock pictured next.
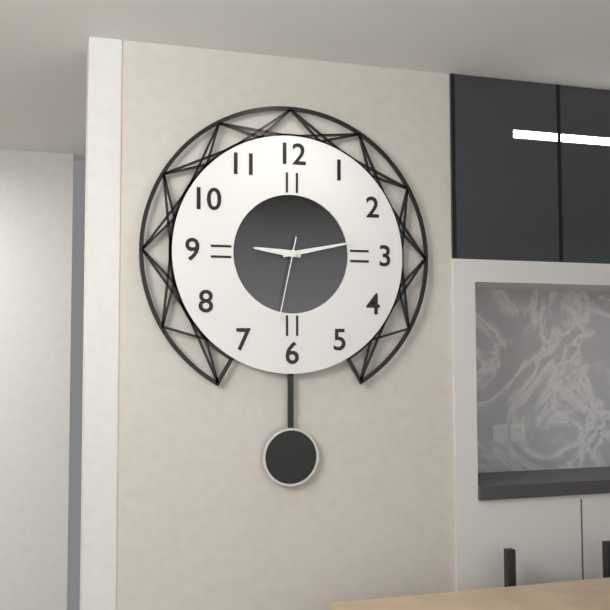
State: 9:13:32
